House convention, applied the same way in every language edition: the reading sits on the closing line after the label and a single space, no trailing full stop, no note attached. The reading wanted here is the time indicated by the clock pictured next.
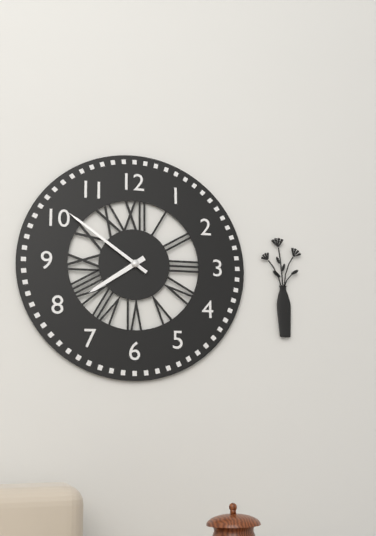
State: 7:51
